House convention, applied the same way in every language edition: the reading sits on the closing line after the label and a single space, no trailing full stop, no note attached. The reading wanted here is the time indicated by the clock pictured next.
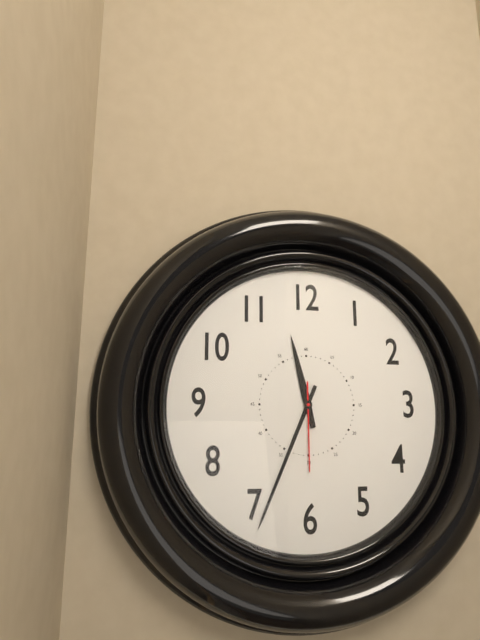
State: 11:34:30
